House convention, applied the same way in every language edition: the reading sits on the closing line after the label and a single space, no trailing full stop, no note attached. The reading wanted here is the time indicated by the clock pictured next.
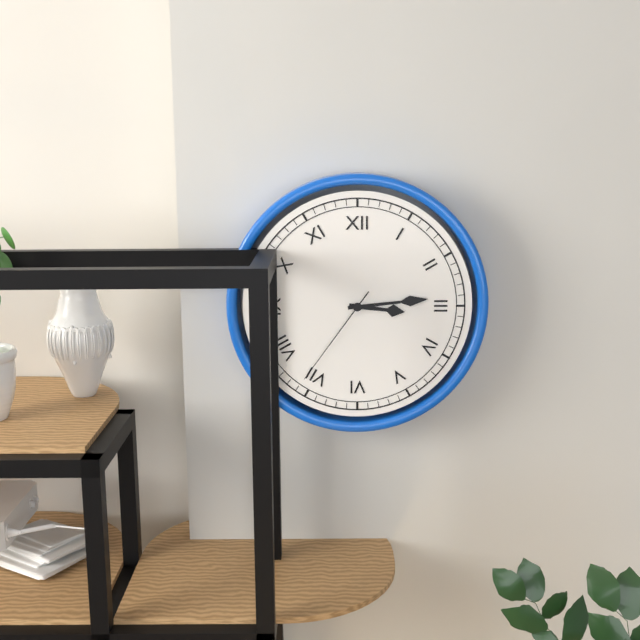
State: 3:14:36
